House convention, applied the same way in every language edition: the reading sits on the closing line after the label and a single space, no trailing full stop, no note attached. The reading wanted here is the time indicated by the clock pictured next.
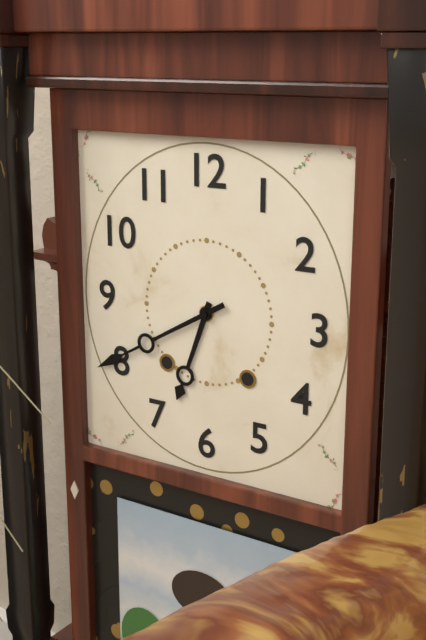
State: 6:40
